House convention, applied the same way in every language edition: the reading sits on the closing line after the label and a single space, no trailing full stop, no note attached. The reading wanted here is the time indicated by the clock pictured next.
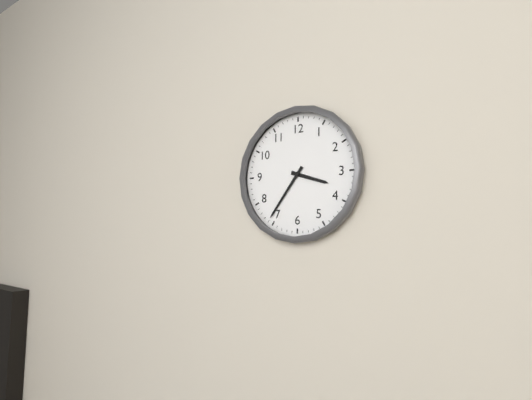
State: 3:36
